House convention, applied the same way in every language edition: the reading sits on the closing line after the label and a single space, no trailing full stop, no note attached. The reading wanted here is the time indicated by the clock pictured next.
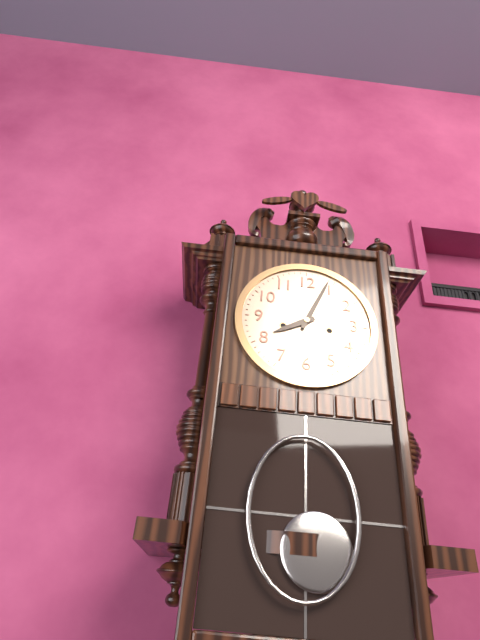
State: 8:04
